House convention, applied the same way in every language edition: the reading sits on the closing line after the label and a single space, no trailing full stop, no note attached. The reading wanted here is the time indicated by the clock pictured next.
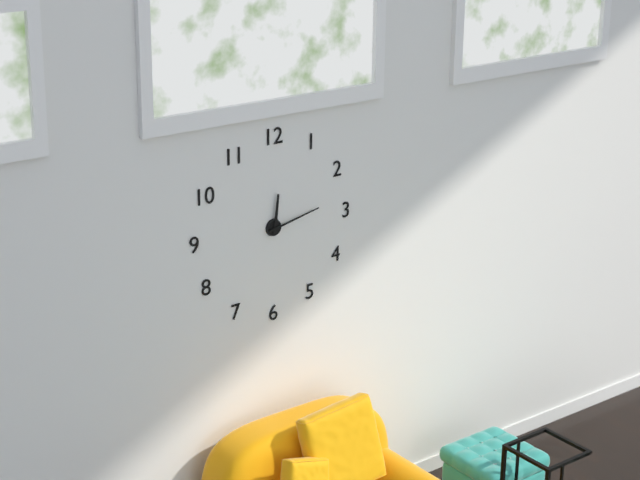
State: 12:13
